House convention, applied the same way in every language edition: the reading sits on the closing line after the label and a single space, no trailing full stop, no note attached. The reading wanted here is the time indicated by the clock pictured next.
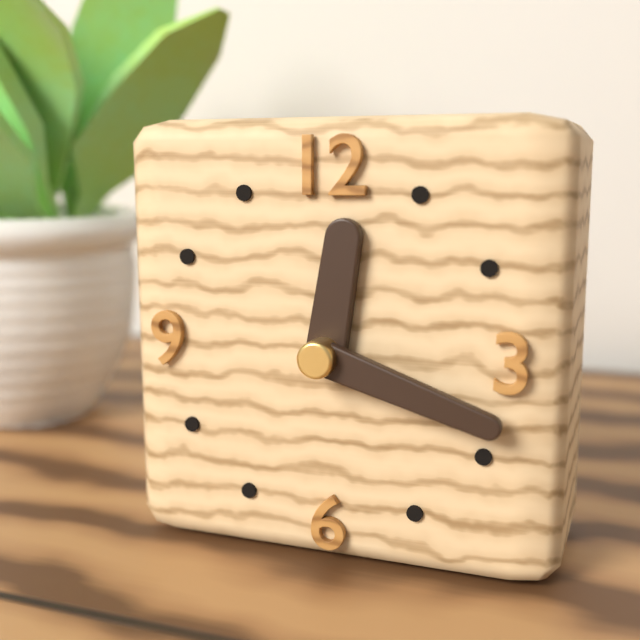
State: 12:18
